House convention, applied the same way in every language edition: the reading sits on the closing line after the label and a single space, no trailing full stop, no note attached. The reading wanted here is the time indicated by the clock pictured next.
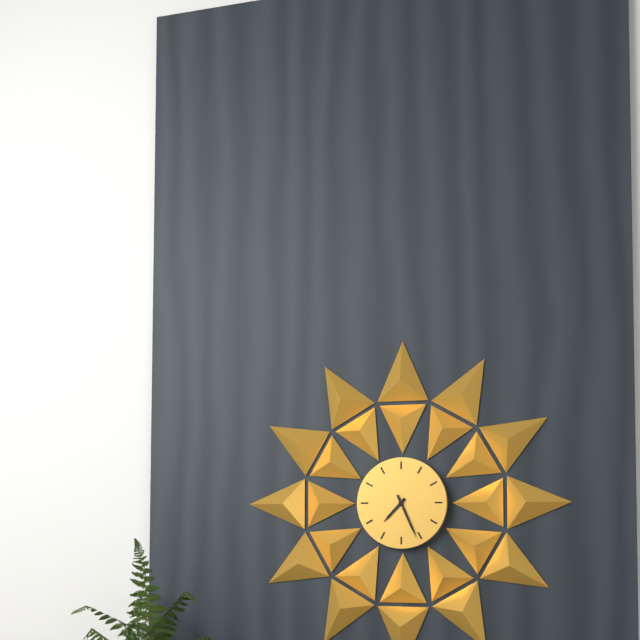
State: 7:26
